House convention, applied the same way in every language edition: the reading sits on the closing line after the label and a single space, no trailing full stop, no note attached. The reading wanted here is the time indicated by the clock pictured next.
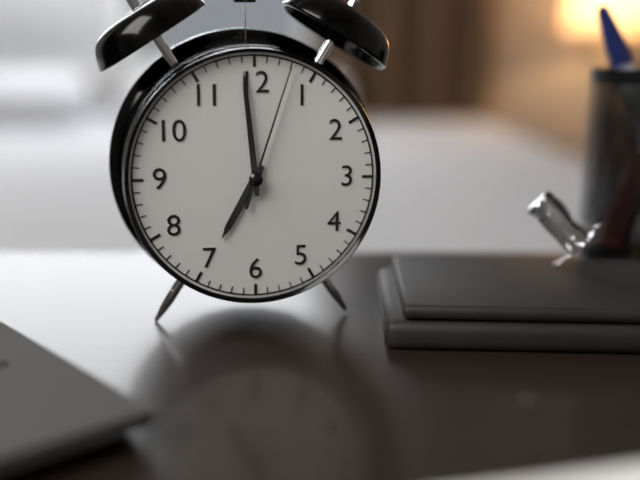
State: 6:59:03
